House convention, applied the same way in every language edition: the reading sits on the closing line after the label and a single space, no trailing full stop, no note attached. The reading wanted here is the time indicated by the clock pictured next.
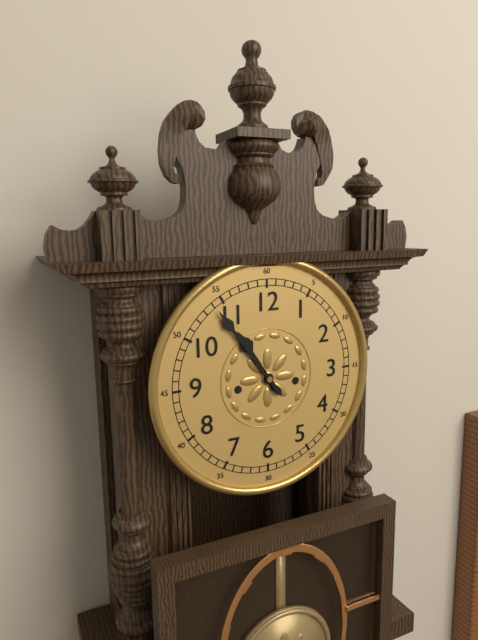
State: 10:54
